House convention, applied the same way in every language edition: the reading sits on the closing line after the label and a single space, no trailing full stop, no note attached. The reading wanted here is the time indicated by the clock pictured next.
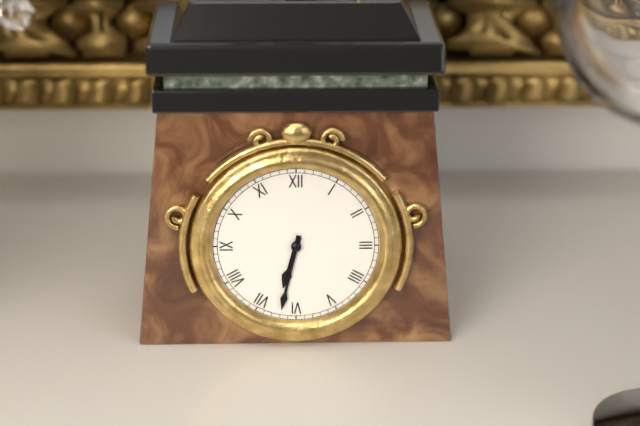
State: 6:32
